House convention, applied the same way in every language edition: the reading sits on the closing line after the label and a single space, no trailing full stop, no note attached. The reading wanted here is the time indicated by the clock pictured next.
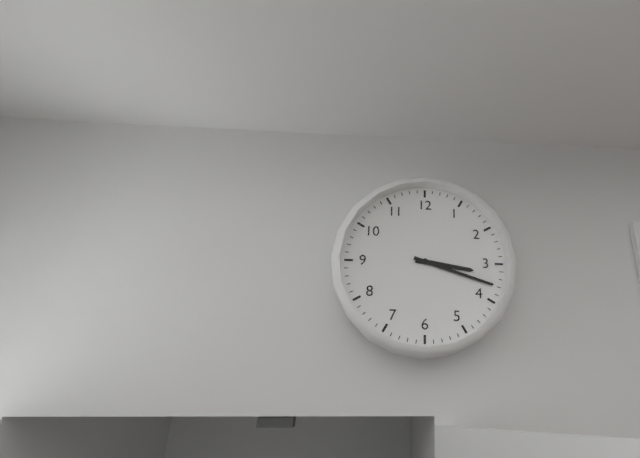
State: 3:18
